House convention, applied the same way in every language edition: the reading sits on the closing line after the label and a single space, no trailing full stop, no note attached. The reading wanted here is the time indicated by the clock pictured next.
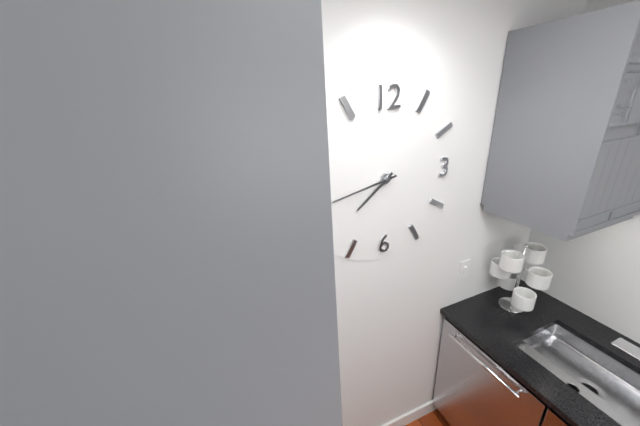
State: 7:43
